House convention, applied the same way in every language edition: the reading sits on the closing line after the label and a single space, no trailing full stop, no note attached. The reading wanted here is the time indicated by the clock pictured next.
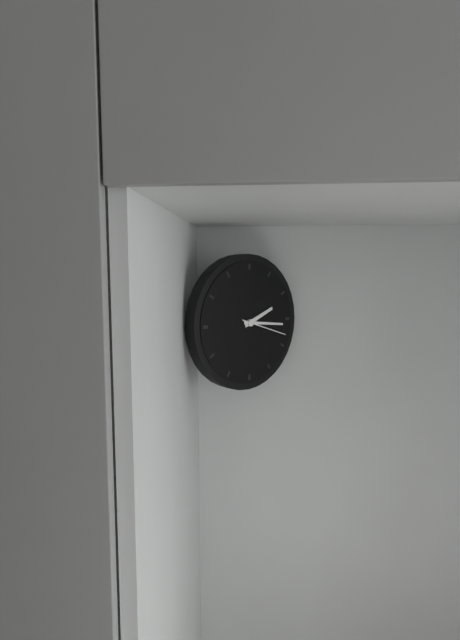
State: 2:16
